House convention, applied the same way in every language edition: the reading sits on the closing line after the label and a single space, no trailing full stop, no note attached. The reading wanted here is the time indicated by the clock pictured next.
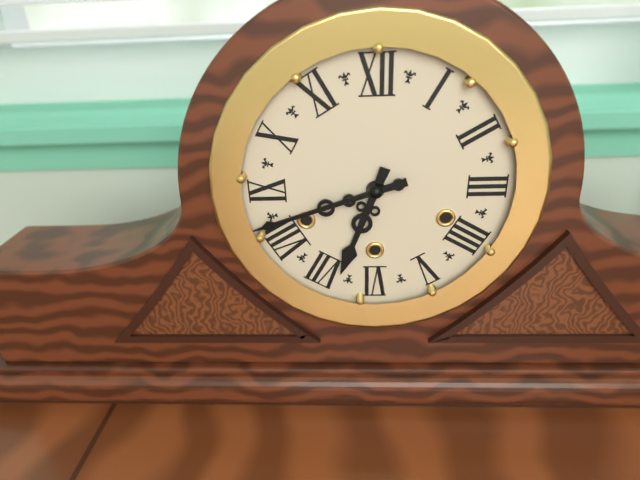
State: 6:42
